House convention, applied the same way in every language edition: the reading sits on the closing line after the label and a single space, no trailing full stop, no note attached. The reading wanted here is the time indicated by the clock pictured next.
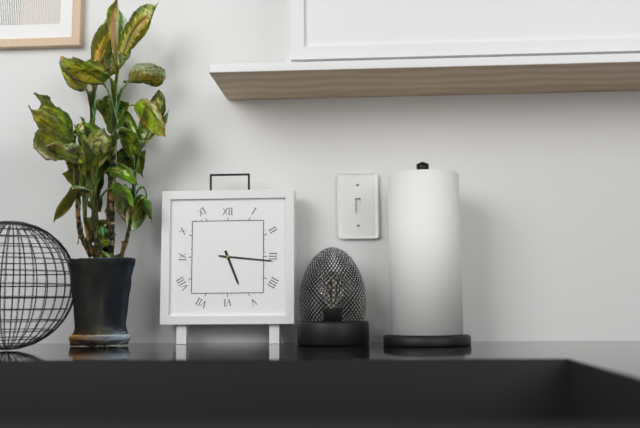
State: 5:16
